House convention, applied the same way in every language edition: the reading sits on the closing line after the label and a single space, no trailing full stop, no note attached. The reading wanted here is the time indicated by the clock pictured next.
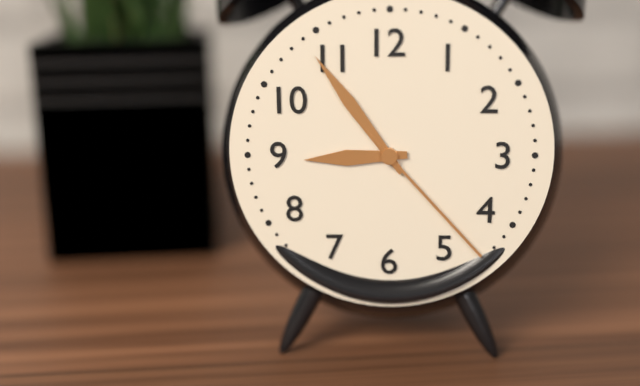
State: 8:54:23
